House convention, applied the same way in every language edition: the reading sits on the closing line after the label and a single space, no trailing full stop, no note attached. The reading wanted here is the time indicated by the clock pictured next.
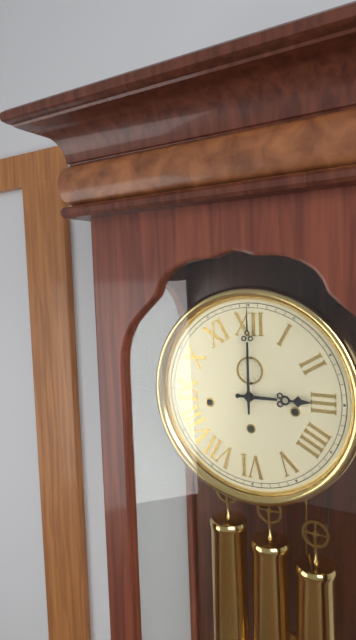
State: 3:00
